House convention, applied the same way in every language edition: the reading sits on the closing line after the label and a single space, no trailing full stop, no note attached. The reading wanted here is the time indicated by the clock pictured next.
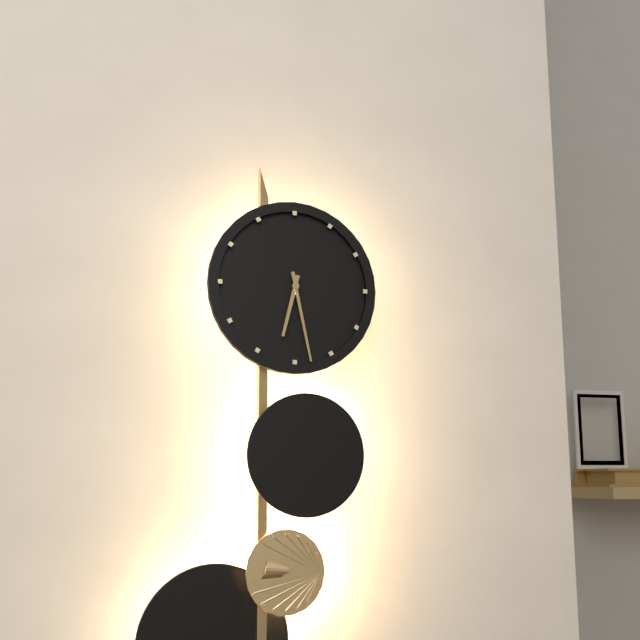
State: 6:28
